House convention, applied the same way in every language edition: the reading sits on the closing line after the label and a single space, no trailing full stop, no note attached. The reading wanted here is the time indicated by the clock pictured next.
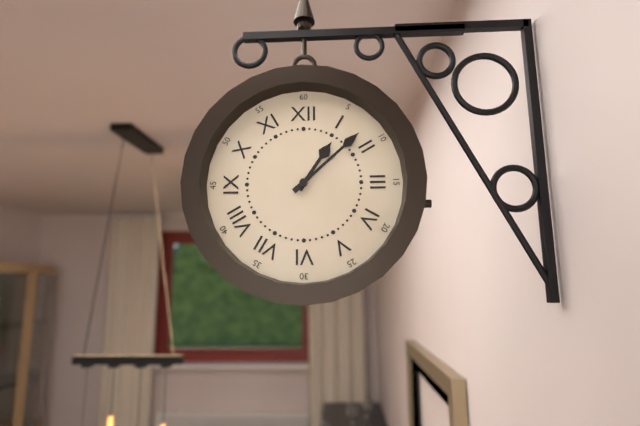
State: 1:08
